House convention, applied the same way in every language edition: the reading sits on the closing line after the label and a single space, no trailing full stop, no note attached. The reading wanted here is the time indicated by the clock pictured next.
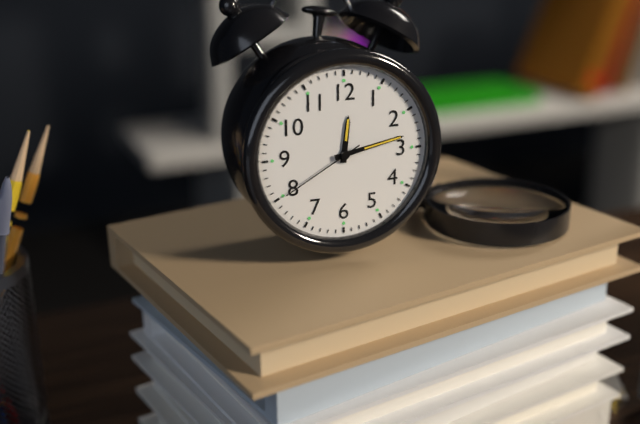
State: 12:13:40
